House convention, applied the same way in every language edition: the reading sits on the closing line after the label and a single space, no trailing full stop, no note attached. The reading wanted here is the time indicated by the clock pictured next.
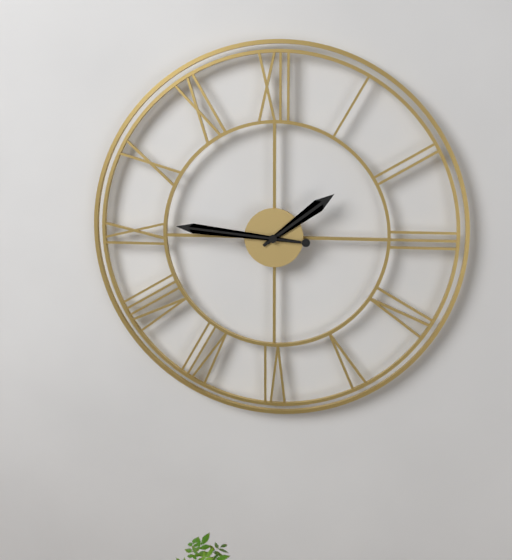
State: 1:46
